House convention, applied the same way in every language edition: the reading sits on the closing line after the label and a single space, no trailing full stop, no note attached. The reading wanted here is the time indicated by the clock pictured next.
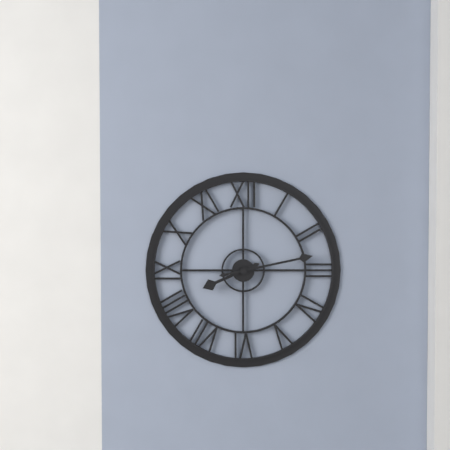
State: 8:13
